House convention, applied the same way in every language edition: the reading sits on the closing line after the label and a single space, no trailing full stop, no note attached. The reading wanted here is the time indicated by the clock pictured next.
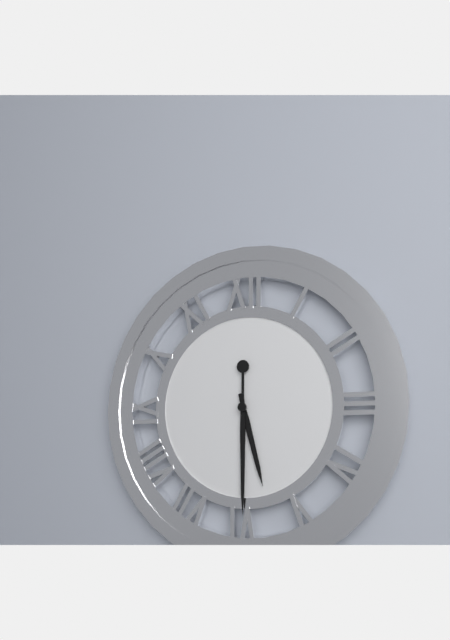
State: 5:30
